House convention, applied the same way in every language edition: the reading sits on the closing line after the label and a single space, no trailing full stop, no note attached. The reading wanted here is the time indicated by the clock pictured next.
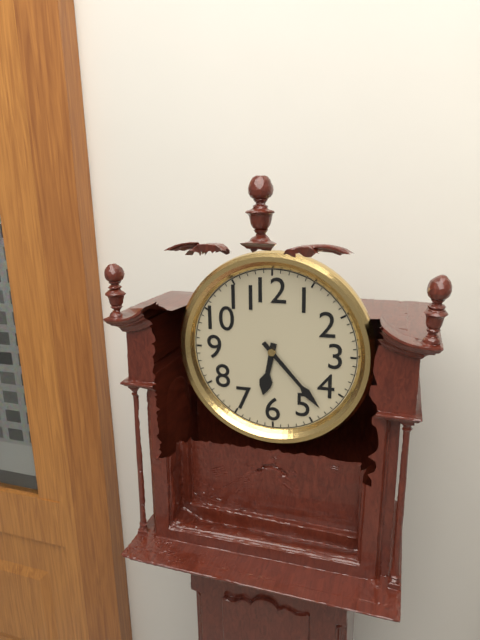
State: 6:23
